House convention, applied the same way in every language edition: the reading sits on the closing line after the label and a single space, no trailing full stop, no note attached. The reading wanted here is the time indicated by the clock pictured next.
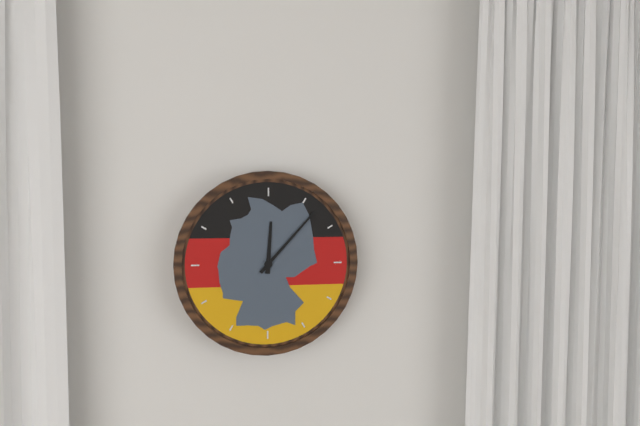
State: 12:07
